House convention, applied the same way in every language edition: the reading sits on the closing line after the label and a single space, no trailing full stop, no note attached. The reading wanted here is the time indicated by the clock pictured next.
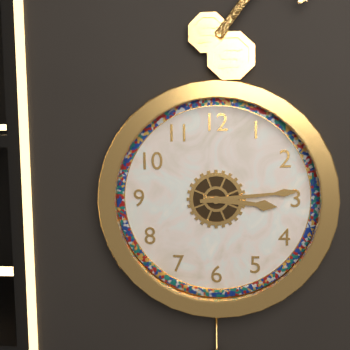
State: 3:14
